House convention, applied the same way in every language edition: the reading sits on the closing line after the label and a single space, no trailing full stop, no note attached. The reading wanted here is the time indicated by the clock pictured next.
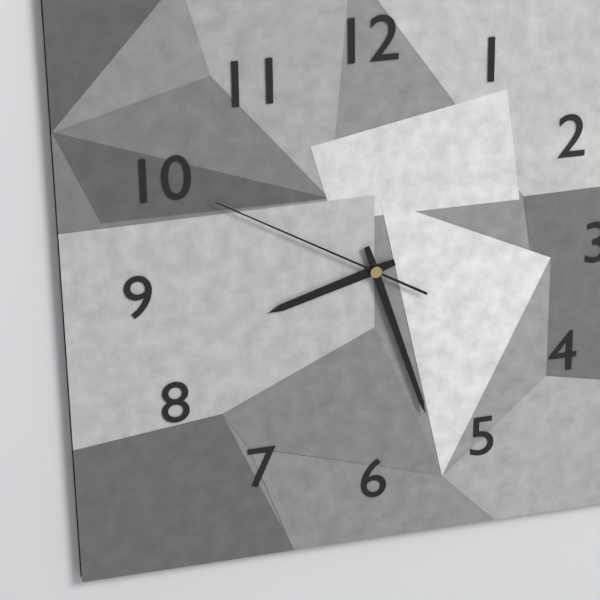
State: 8:27:50
